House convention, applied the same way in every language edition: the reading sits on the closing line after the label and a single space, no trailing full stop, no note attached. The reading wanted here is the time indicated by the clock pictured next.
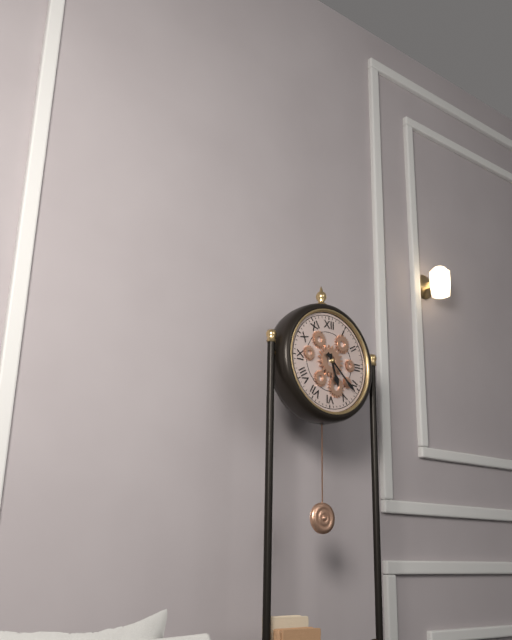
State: 5:22
